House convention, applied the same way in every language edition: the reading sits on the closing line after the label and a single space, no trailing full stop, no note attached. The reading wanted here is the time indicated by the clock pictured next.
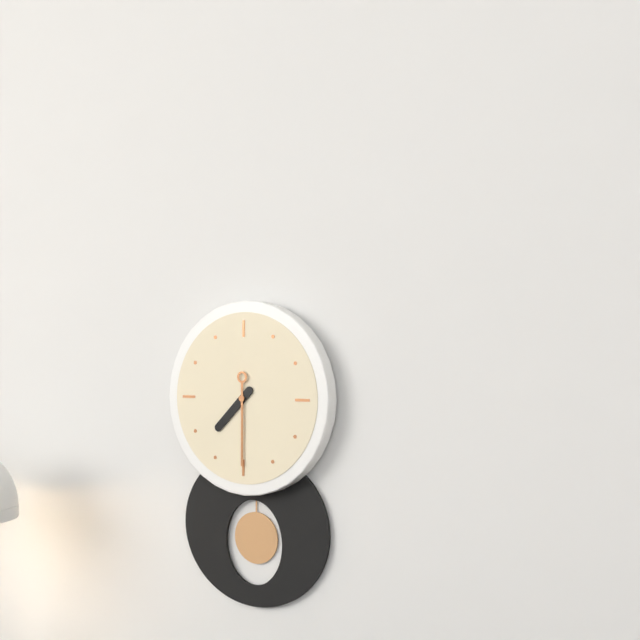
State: 7:30
